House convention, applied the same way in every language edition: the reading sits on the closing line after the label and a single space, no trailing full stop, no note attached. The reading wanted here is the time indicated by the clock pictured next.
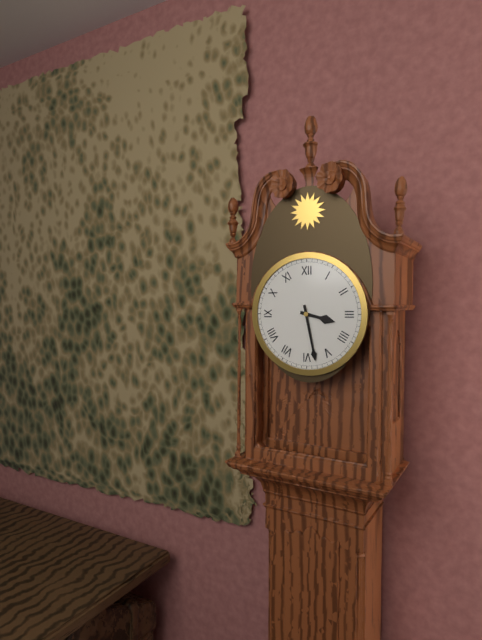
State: 3:28
